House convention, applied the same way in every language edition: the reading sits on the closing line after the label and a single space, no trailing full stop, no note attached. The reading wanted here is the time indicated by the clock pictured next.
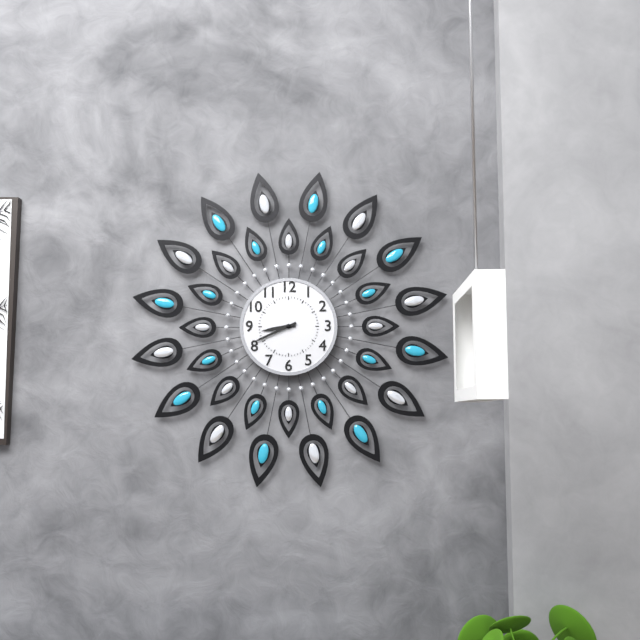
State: 8:41
